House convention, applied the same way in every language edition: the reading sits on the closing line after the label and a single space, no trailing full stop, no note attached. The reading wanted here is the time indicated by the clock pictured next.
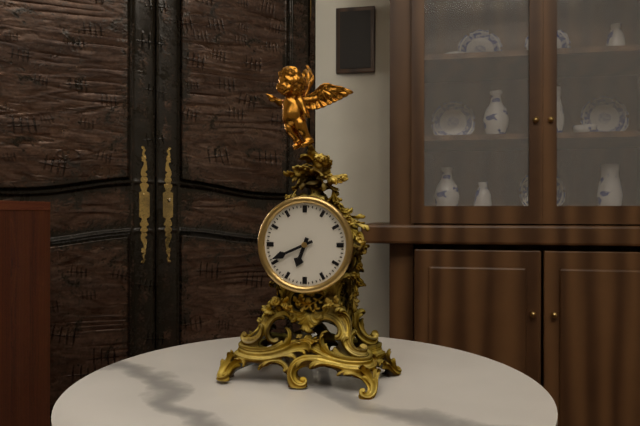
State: 6:41
